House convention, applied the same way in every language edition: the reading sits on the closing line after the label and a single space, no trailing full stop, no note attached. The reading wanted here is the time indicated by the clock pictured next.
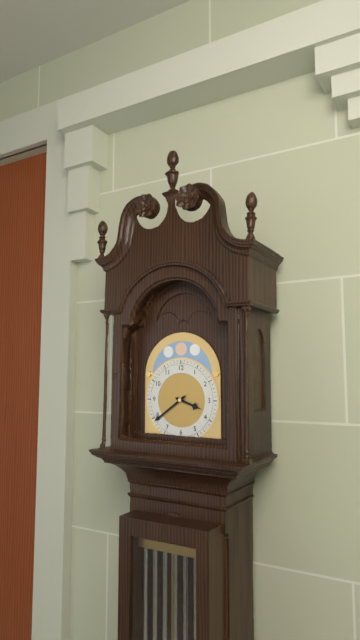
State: 3:39
